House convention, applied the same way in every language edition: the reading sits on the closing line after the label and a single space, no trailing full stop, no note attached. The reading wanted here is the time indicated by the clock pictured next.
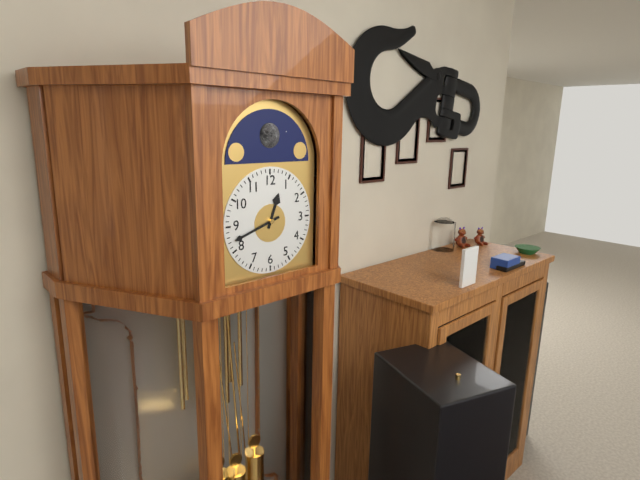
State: 12:42
